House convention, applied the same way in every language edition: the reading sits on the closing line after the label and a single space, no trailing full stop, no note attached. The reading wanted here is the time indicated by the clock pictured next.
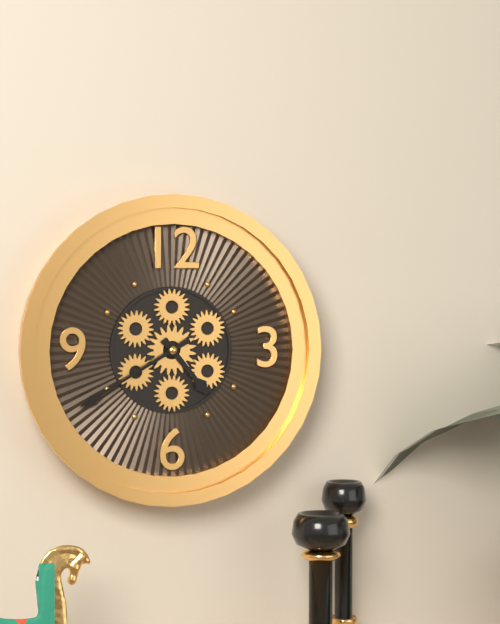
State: 4:40
